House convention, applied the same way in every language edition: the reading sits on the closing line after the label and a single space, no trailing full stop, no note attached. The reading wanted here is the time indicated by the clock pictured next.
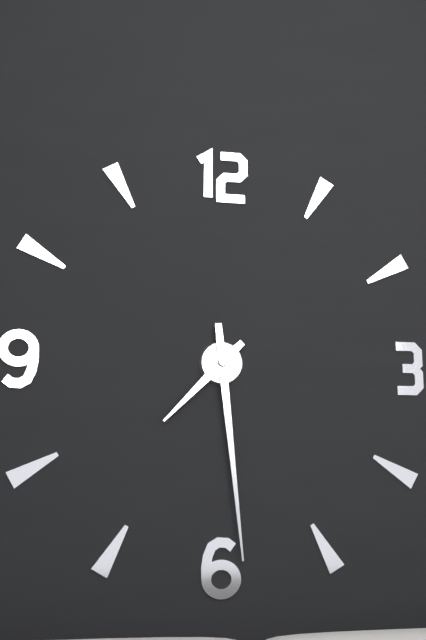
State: 7:29
